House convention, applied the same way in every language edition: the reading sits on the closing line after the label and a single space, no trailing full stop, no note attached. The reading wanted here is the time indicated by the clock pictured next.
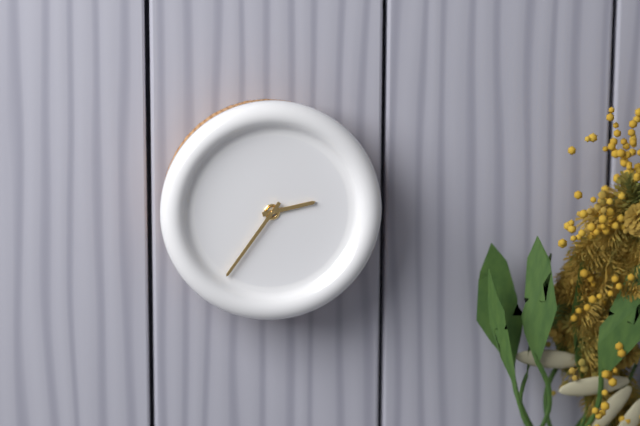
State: 2:36
